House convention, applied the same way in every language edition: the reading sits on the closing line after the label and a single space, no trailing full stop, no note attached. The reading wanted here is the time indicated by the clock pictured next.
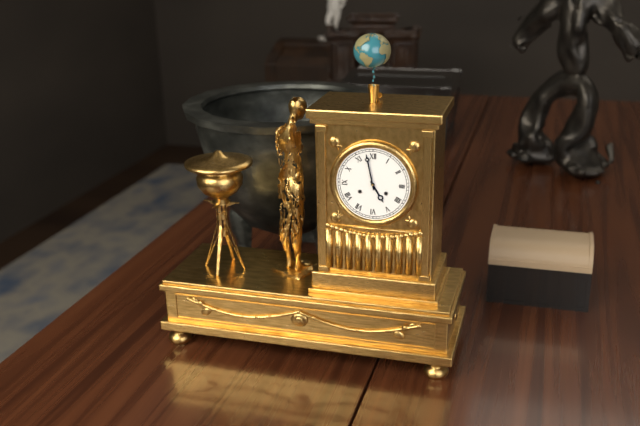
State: 4:58
